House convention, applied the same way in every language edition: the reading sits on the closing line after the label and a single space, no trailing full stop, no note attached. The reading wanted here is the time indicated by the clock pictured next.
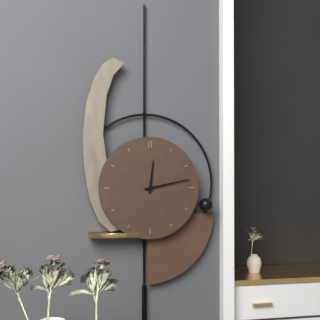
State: 12:13
